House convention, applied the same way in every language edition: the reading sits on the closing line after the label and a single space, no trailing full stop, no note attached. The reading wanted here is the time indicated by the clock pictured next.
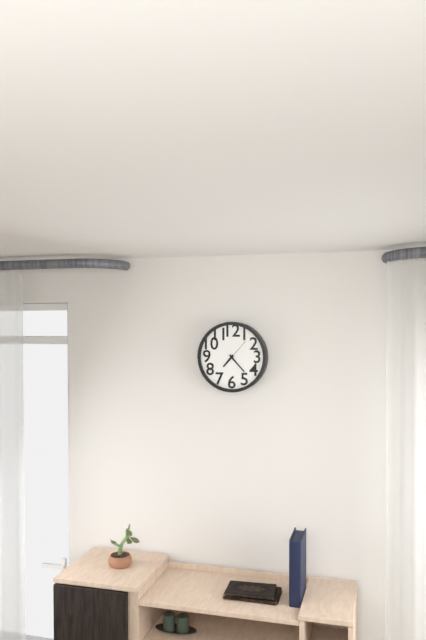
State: 7:23
